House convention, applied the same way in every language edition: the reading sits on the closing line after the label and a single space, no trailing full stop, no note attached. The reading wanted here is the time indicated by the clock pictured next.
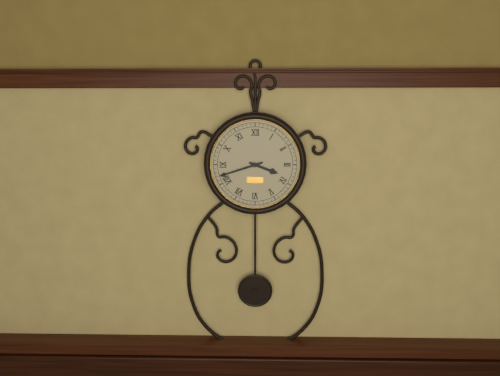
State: 3:42
